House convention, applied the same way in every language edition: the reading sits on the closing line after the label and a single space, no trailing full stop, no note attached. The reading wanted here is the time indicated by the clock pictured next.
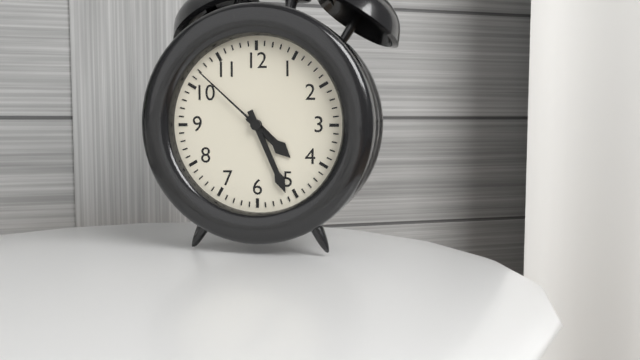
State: 4:26:52
